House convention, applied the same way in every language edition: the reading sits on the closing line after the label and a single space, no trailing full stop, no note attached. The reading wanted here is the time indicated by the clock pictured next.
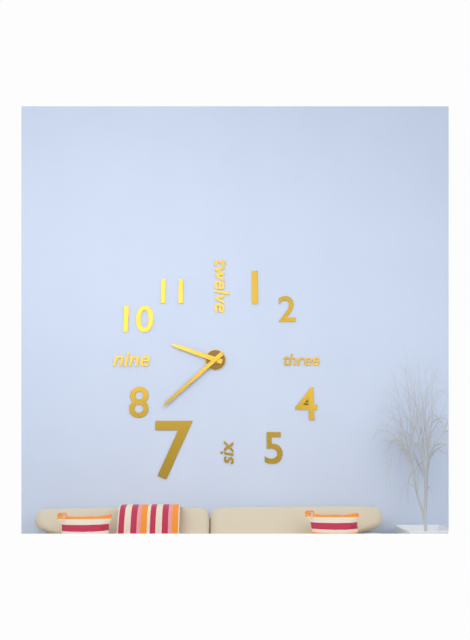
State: 9:38
